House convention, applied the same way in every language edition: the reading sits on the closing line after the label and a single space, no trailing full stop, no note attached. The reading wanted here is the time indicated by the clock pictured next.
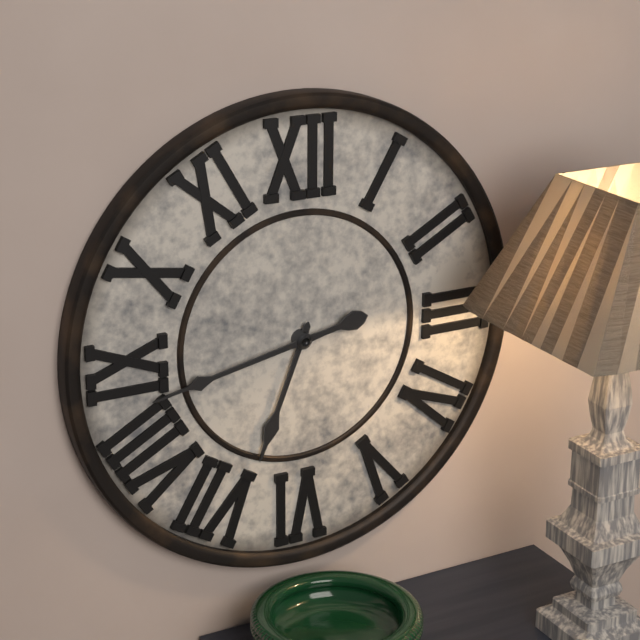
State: 6:43
